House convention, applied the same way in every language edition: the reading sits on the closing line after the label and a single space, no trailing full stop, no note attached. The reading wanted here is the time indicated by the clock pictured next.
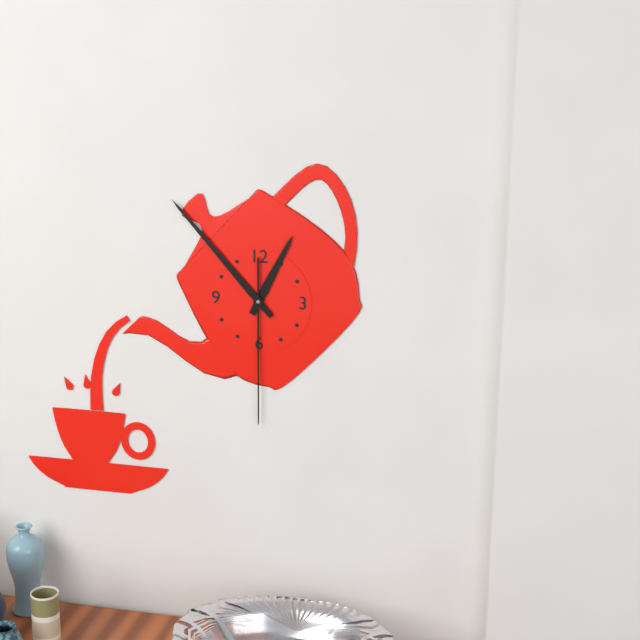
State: 12:53:30
